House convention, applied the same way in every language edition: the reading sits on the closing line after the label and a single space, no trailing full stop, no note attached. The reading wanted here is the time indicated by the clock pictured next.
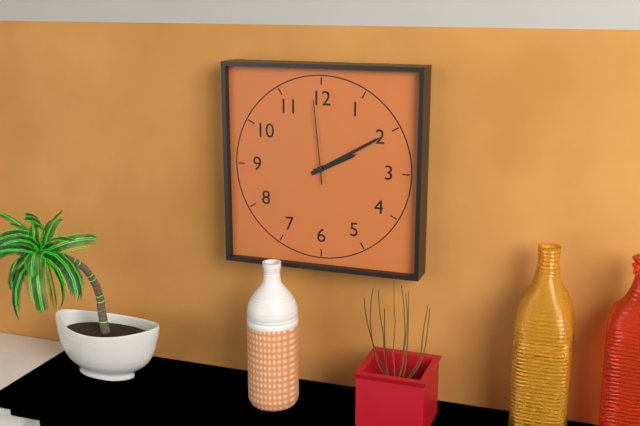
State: 2:10:59
